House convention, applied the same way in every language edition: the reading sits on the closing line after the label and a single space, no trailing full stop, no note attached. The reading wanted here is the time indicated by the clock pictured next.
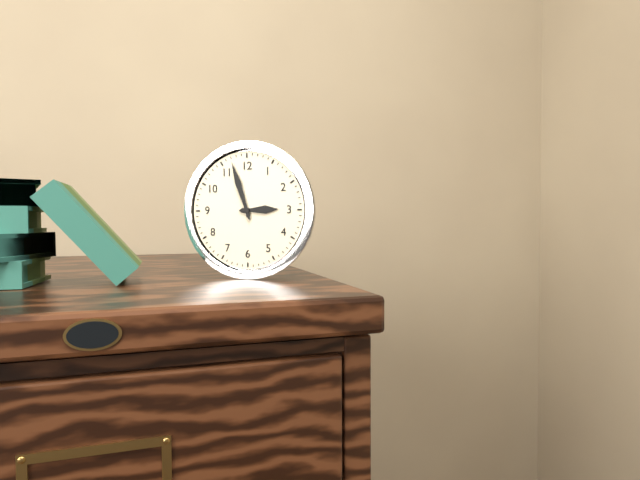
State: 2:57
